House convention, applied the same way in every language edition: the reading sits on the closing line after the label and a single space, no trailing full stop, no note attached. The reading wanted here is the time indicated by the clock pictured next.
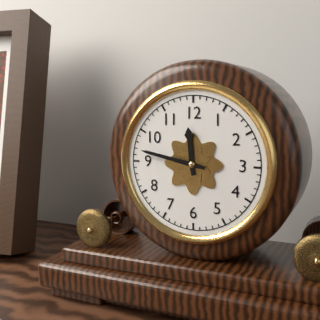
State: 11:47
